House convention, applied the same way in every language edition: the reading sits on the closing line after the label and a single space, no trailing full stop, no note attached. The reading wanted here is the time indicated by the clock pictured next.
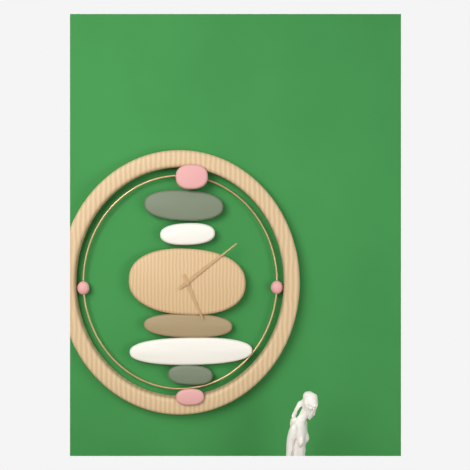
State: 5:09
